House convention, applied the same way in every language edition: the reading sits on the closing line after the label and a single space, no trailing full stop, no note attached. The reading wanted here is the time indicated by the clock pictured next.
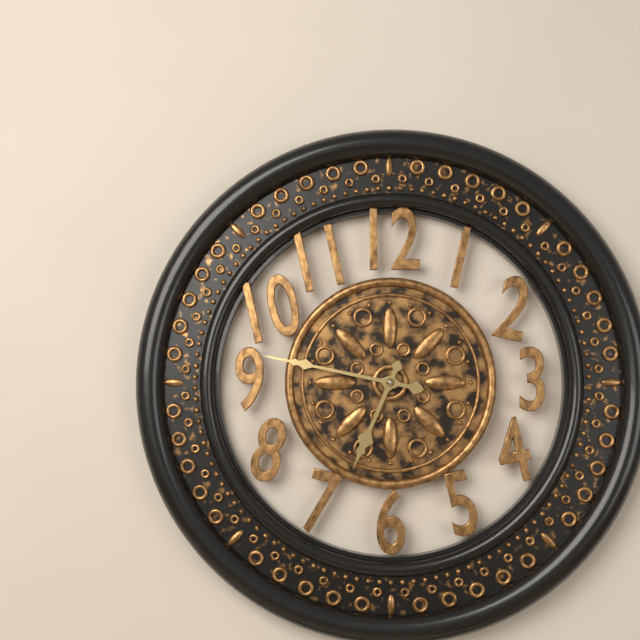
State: 6:47
